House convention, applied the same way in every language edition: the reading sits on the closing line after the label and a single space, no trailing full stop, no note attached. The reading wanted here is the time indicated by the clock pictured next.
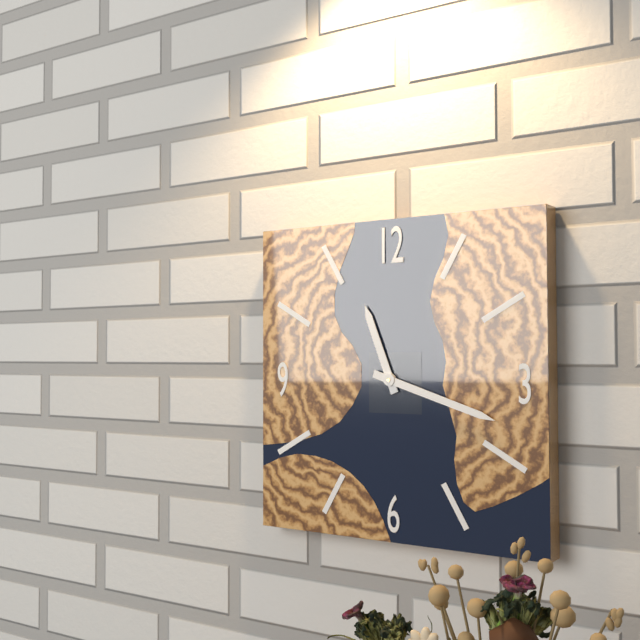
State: 11:18
